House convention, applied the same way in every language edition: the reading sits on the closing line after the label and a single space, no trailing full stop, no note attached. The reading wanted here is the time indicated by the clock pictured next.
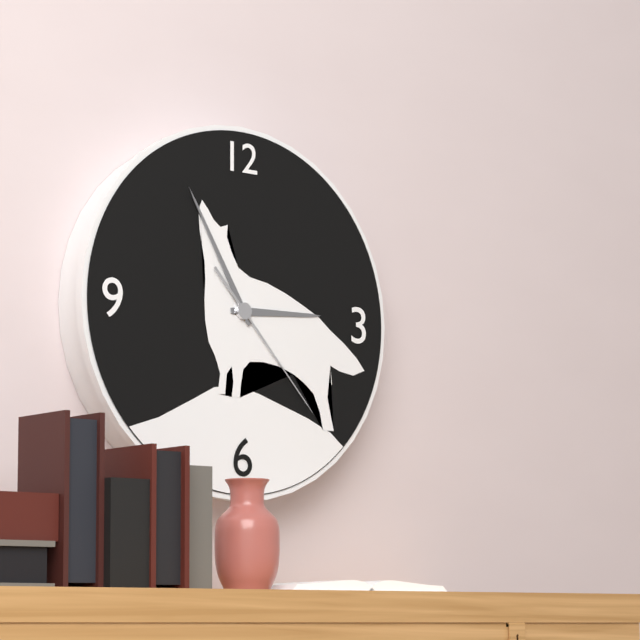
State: 2:55:23
